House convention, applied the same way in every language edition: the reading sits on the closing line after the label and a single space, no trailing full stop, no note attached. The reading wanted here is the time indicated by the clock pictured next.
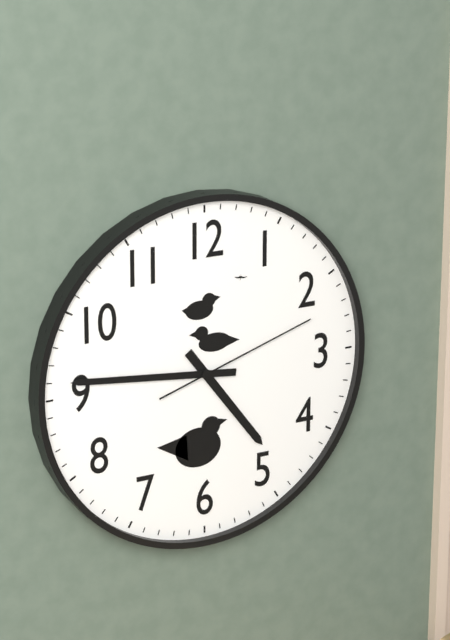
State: 4:46:12
